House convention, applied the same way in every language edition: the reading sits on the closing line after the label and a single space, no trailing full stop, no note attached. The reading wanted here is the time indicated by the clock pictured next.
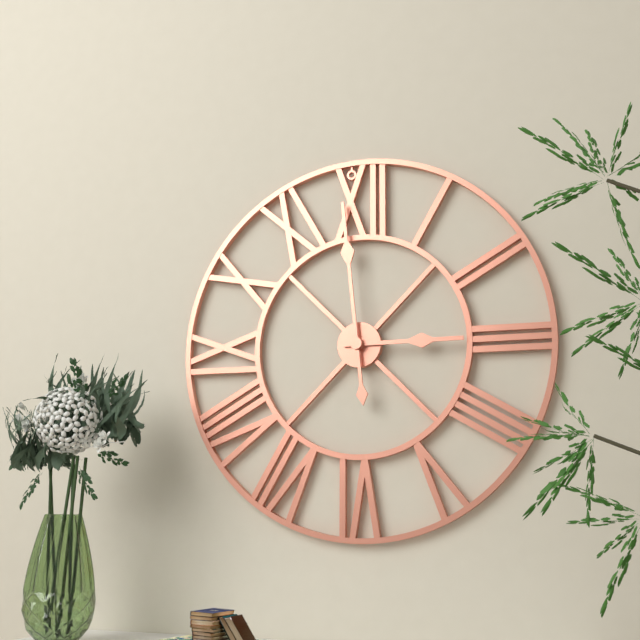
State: 2:59
